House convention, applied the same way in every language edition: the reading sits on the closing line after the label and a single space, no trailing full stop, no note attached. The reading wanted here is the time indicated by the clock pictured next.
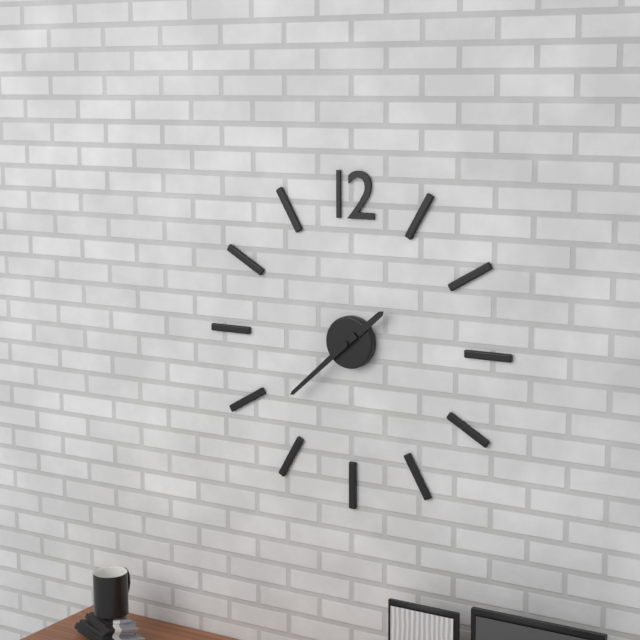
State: 1:38
